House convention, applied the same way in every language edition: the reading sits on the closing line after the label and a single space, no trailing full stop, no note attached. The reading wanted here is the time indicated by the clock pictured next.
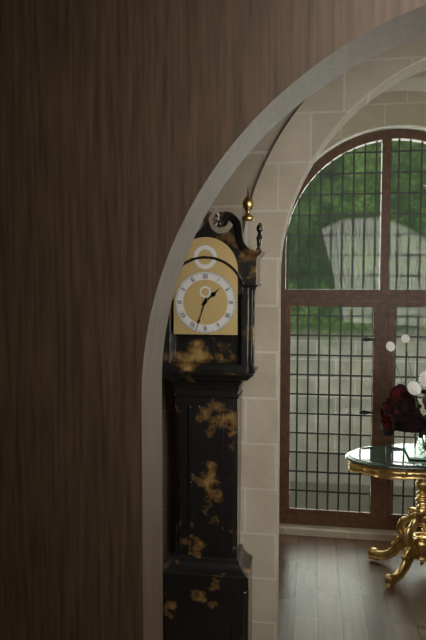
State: 1:33
